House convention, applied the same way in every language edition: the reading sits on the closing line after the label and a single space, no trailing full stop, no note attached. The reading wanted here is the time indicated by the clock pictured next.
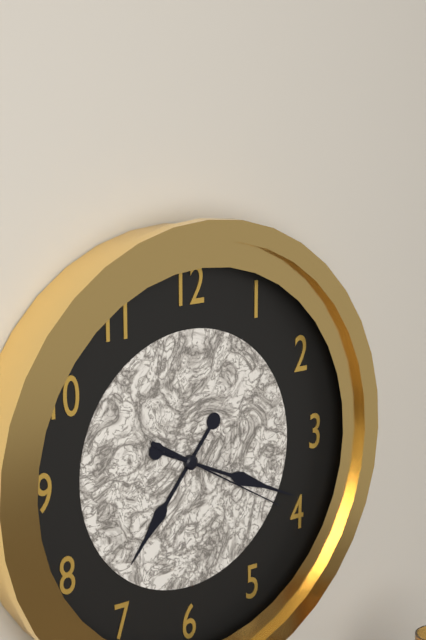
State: 7:19:20
